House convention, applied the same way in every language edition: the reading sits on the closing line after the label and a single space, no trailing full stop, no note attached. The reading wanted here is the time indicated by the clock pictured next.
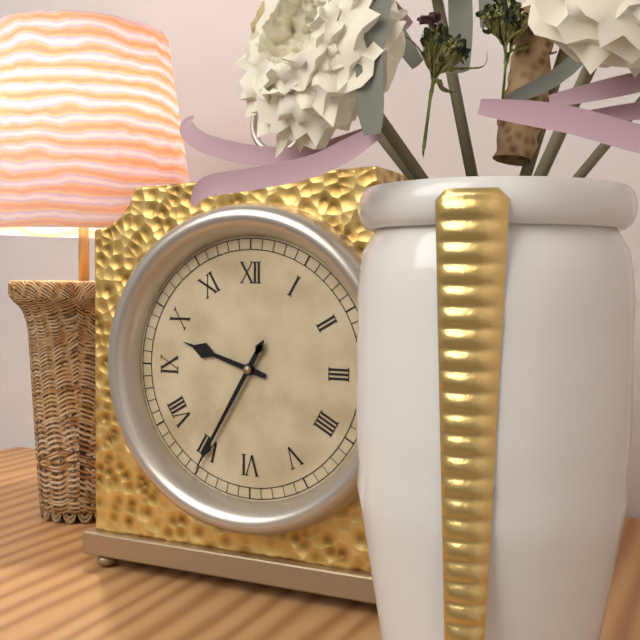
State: 9:35
